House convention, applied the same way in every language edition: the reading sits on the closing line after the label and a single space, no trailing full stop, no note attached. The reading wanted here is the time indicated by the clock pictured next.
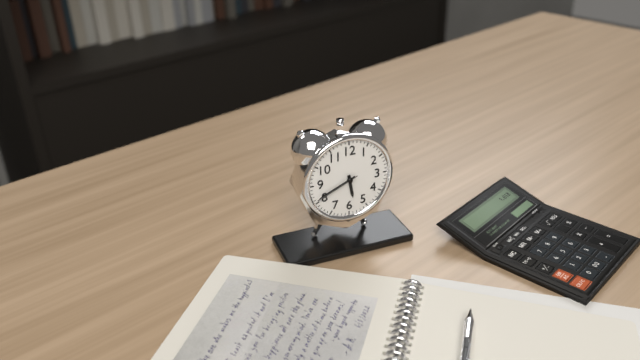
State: 5:41
